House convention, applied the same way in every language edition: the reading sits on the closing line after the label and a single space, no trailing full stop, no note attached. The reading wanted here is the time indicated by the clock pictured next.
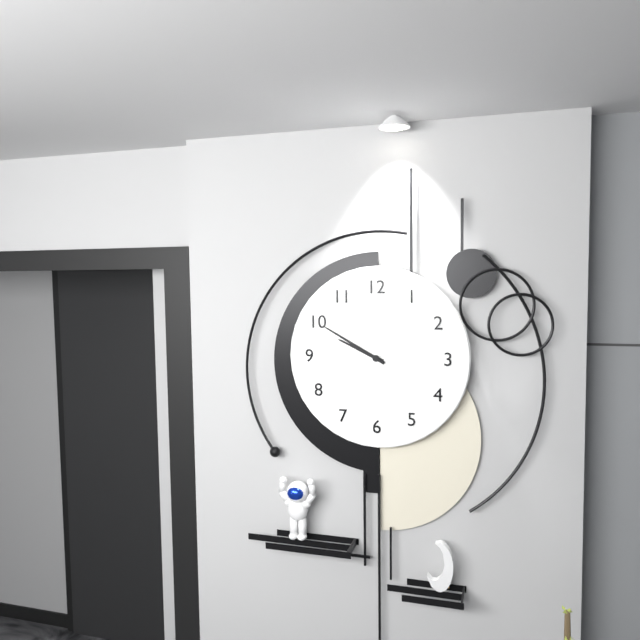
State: 9:50
